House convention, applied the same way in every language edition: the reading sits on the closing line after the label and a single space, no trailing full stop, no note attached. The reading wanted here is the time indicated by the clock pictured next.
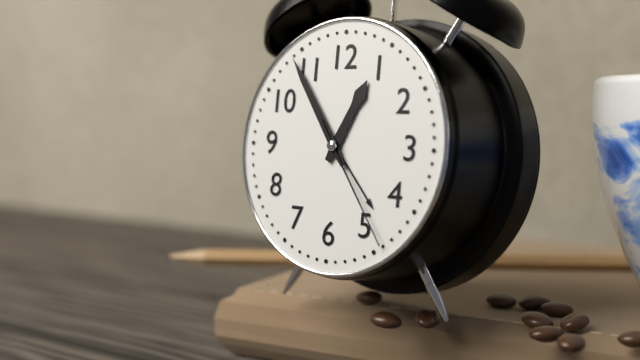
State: 12:54:24
